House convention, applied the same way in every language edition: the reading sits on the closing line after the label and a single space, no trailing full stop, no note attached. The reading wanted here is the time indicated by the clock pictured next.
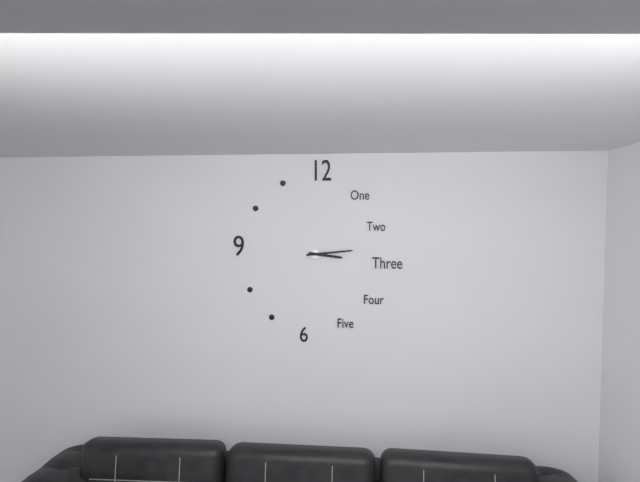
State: 3:14
